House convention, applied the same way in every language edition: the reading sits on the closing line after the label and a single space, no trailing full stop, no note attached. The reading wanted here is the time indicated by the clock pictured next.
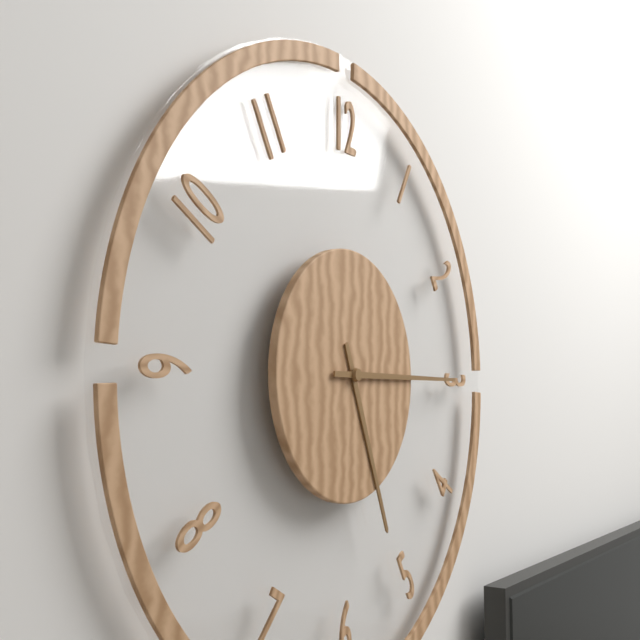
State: 5:15
